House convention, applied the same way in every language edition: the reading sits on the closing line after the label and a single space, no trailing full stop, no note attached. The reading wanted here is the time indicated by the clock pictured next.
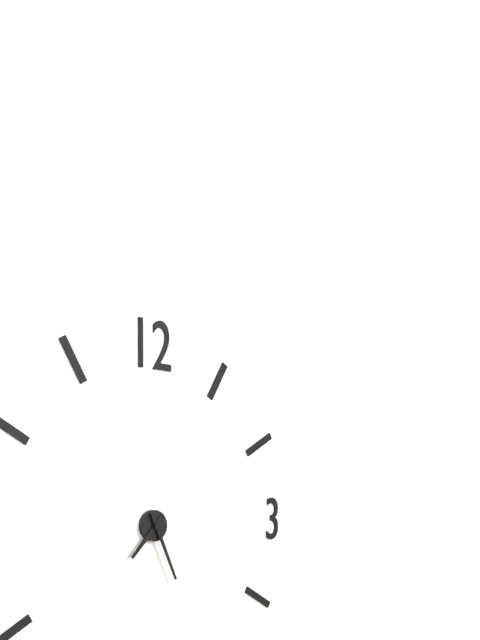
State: 7:26
